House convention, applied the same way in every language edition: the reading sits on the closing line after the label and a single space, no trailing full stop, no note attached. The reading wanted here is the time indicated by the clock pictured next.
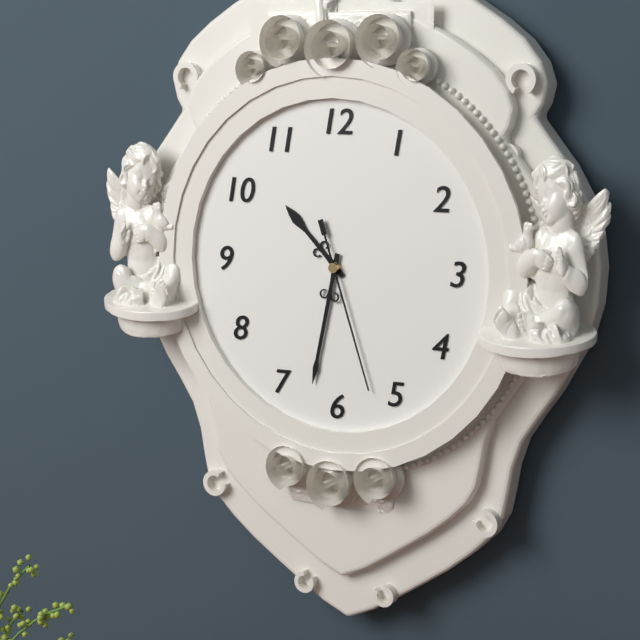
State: 10:32:27
